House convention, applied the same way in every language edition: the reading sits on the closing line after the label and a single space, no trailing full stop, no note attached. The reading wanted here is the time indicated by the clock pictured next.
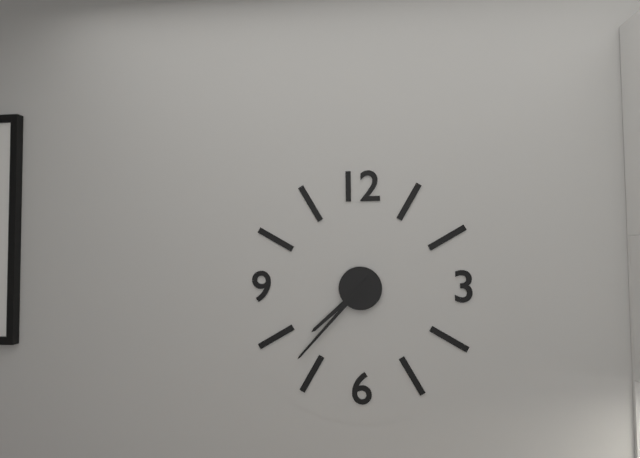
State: 7:37
